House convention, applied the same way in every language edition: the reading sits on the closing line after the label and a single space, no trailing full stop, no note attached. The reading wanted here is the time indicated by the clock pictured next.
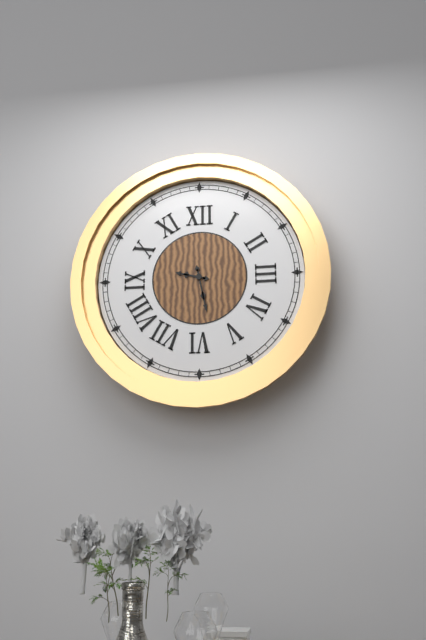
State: 9:28
